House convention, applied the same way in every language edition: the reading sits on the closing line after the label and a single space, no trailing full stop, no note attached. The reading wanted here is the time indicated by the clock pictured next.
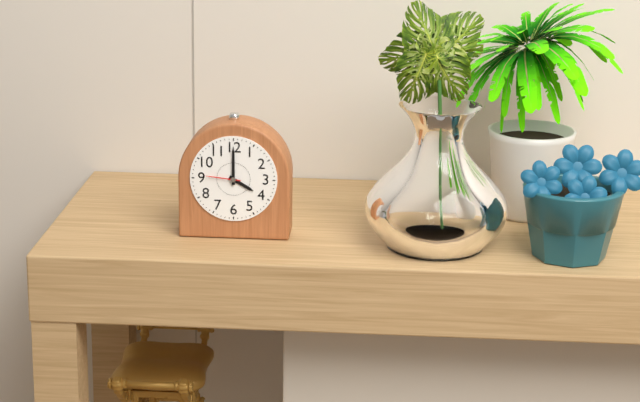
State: 4:00
